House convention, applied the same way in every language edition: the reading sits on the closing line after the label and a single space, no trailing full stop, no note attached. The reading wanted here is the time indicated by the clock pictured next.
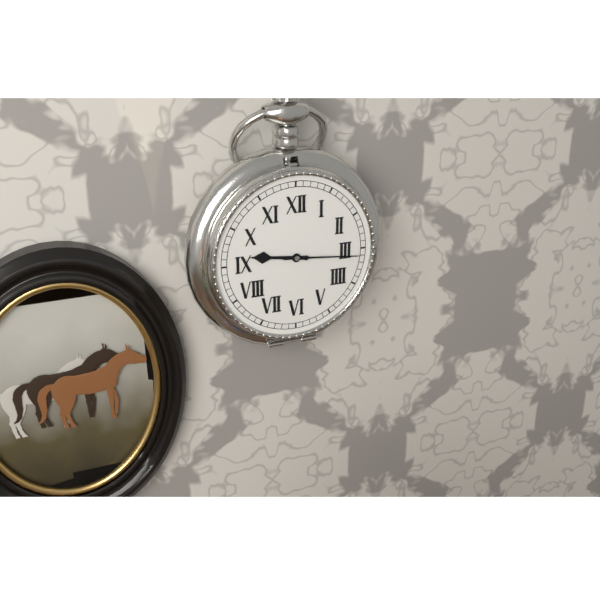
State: 9:16
